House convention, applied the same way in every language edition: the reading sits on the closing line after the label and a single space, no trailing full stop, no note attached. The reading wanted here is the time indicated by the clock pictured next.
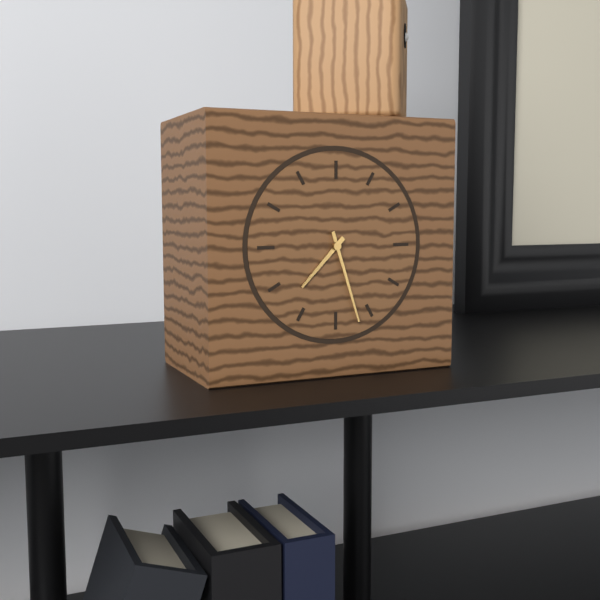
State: 7:27
